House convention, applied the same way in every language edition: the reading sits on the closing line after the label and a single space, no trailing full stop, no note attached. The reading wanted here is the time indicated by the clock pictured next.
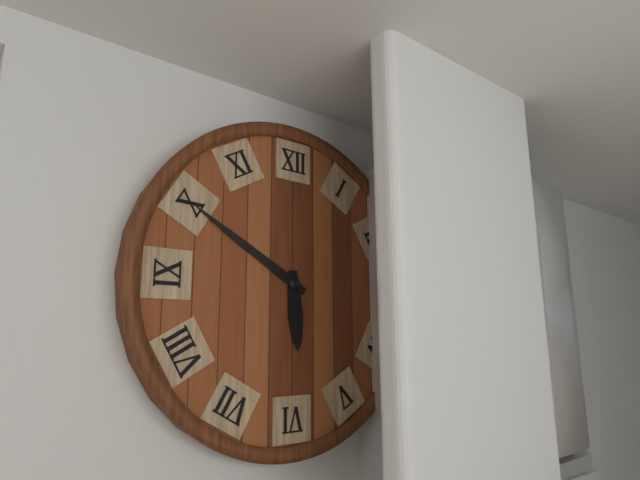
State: 5:50
